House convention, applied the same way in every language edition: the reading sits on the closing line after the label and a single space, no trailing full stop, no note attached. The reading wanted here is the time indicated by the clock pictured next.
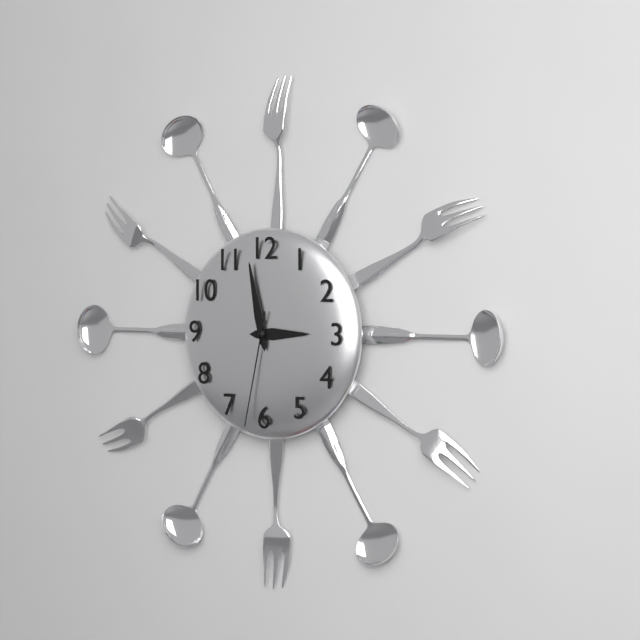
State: 2:58:32
